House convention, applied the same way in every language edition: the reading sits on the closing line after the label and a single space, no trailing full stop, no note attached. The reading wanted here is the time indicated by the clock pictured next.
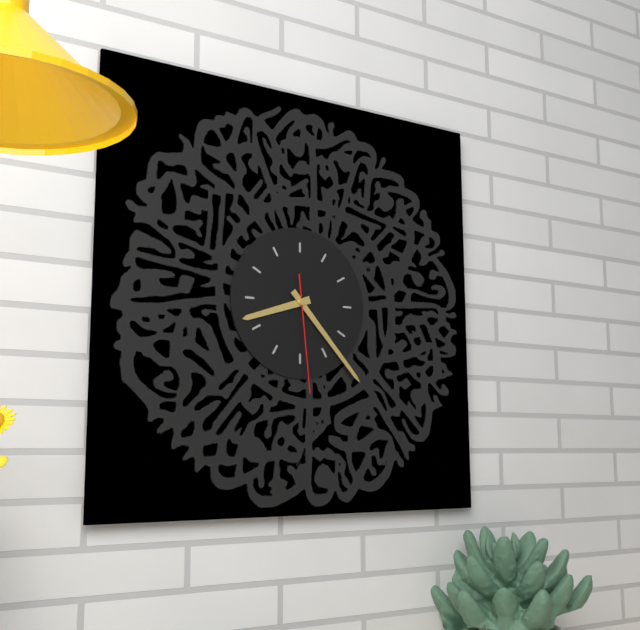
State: 8:23:29
